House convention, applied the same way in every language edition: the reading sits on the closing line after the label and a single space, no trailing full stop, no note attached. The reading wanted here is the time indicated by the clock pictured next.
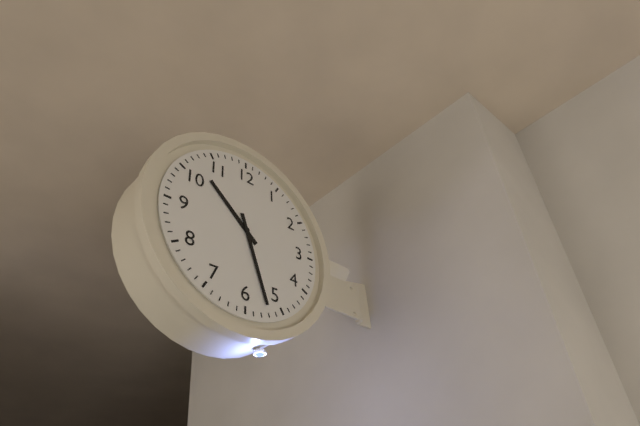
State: 10:27
